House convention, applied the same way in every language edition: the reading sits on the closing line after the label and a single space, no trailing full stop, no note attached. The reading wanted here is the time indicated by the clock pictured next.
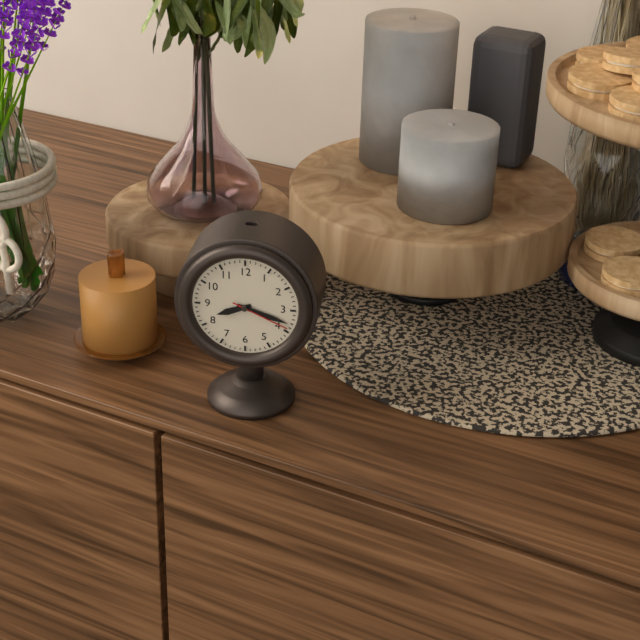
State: 8:18:19
